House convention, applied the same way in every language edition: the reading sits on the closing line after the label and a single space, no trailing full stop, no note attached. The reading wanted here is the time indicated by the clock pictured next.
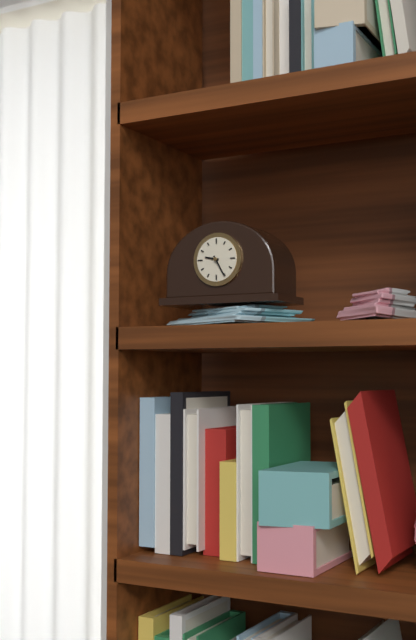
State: 9:25
